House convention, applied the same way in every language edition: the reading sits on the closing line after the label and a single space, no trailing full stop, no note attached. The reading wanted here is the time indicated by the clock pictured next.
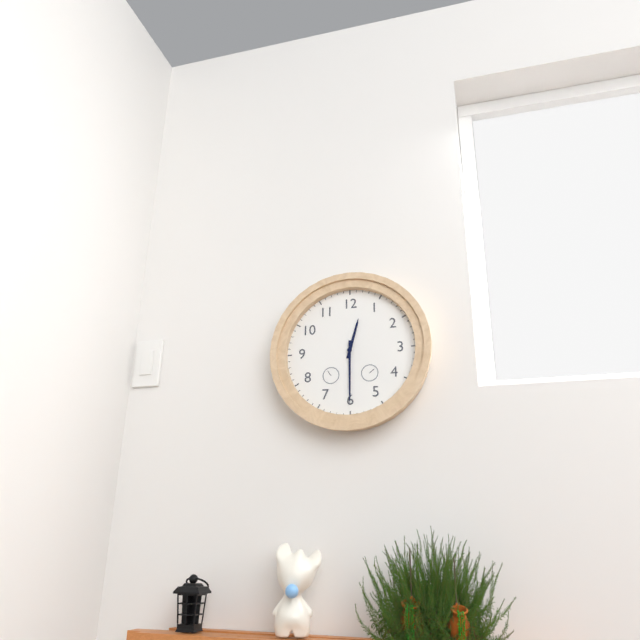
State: 12:30
